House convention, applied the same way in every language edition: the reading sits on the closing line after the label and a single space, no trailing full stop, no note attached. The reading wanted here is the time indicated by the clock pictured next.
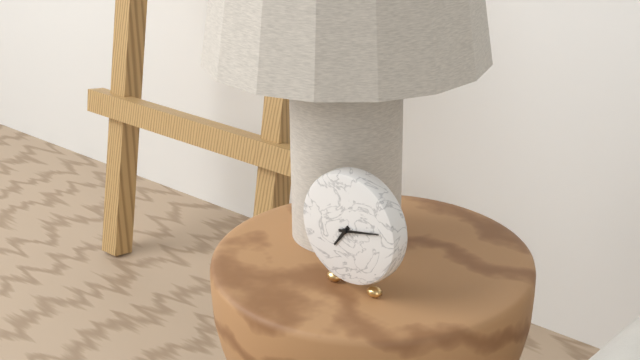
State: 7:13
